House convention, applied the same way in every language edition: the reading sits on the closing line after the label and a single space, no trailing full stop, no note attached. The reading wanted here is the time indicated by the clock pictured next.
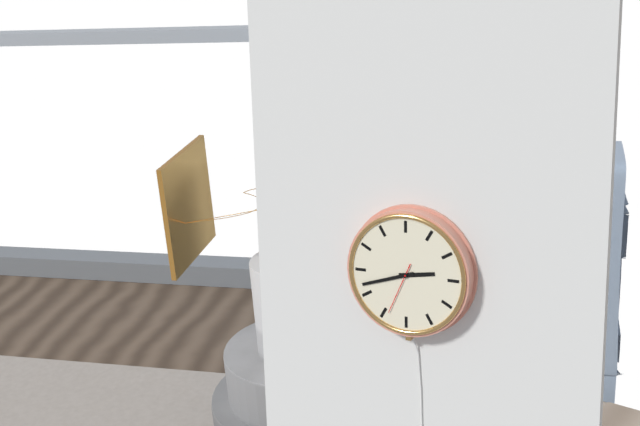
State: 2:42:34
